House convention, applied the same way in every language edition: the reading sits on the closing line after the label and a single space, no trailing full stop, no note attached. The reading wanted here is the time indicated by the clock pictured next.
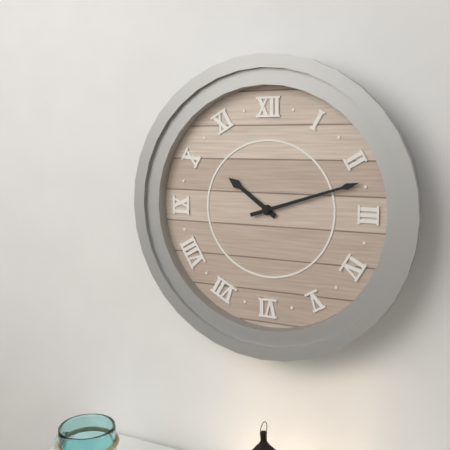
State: 10:12
